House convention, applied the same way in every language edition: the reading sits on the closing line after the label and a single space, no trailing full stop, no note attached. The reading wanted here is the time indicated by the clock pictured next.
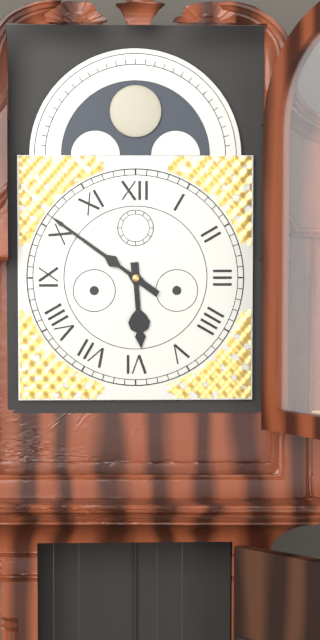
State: 5:51
